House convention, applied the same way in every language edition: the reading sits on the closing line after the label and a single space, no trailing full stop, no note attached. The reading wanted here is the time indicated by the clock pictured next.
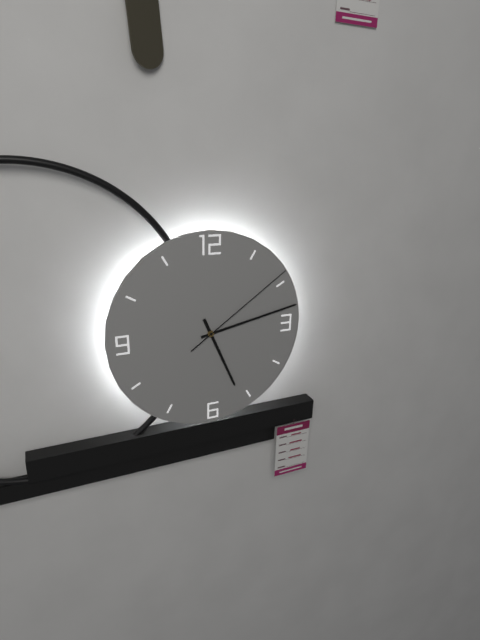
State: 5:13:09
